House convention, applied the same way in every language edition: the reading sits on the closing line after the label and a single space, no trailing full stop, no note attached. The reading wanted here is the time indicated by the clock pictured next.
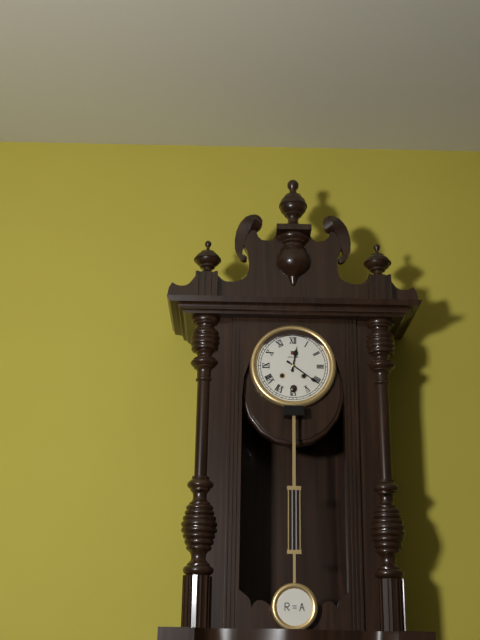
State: 12:21
